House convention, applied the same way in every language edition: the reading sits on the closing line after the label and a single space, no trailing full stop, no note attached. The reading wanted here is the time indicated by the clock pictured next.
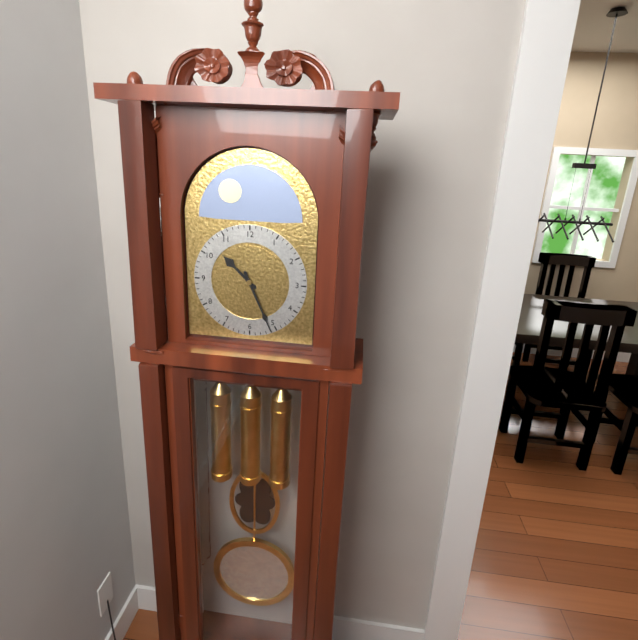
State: 10:26
